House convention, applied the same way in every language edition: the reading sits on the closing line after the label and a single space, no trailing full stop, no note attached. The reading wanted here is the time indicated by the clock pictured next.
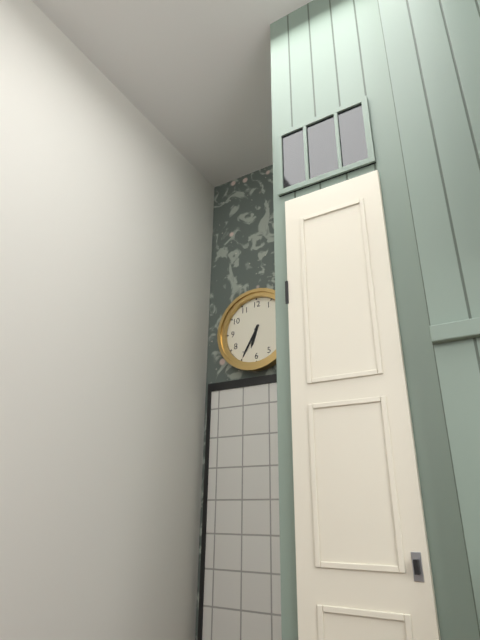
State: 6:35
